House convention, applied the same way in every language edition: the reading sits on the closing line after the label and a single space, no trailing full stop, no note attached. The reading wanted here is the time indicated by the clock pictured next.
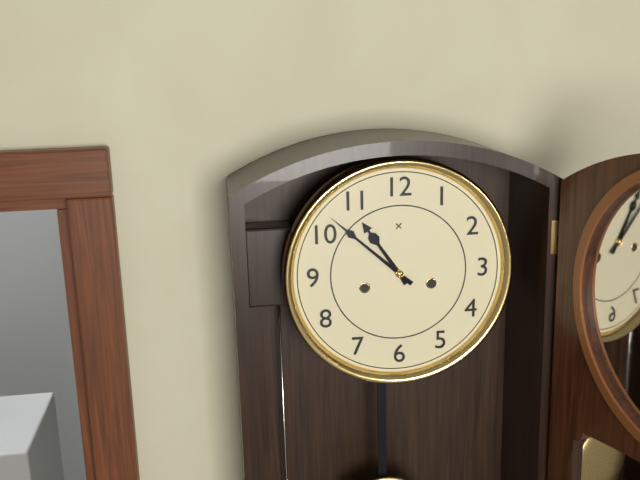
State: 10:52
